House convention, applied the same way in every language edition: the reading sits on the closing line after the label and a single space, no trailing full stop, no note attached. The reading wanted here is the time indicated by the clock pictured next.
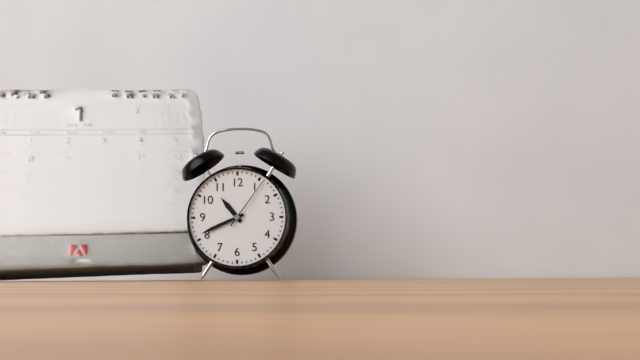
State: 10:41:06
